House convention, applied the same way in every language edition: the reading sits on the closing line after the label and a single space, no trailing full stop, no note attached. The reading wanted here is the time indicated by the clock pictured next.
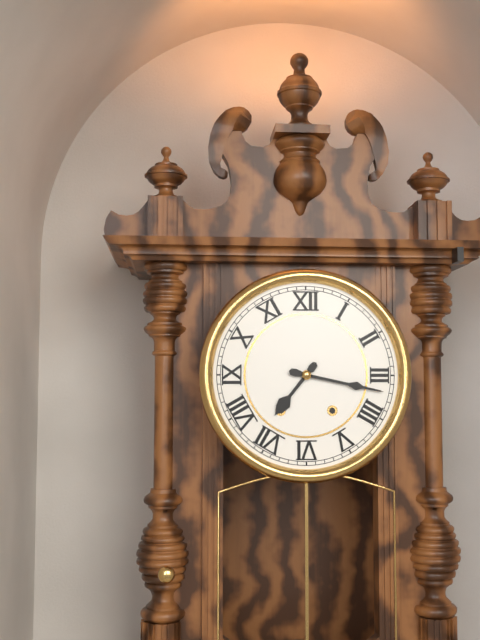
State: 7:17
